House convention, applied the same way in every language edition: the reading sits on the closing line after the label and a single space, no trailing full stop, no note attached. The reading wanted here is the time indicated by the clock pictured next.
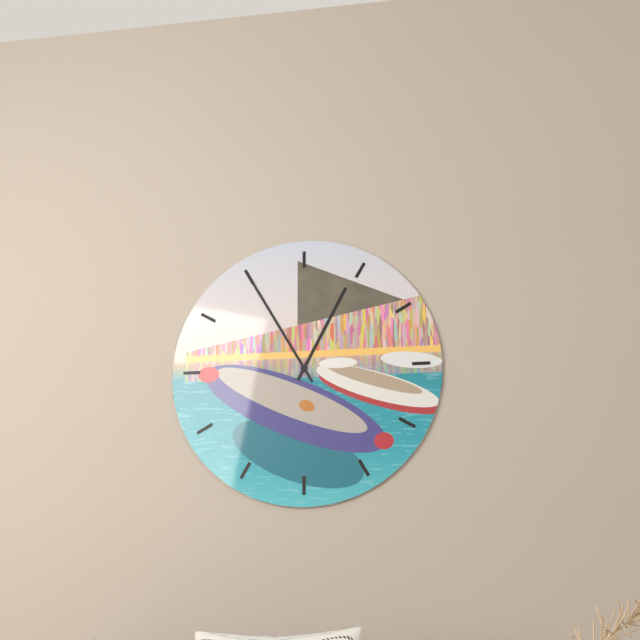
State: 12:55
